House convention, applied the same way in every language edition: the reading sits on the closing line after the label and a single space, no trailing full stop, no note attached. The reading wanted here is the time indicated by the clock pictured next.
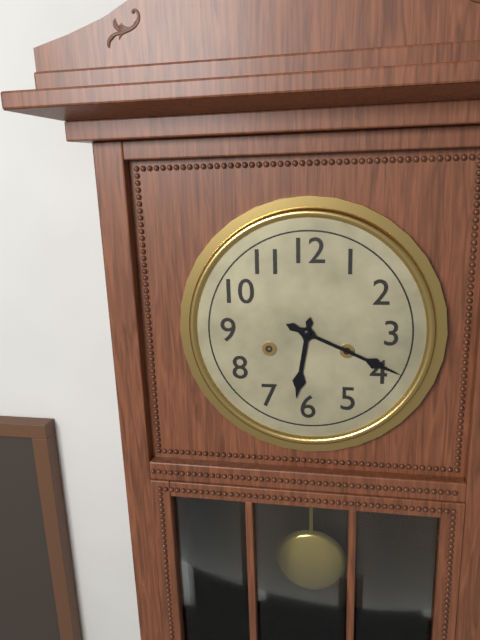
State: 6:19
